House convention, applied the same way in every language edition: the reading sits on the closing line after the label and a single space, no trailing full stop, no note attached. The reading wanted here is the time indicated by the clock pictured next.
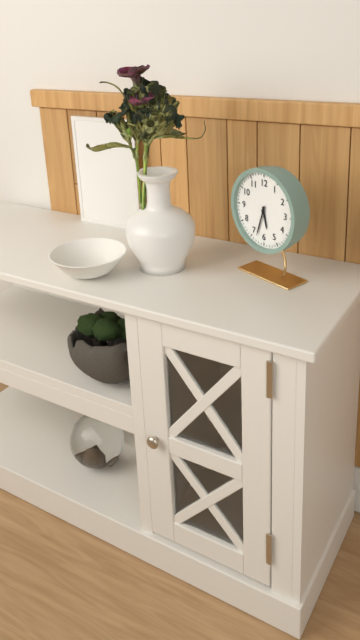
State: 5:33
